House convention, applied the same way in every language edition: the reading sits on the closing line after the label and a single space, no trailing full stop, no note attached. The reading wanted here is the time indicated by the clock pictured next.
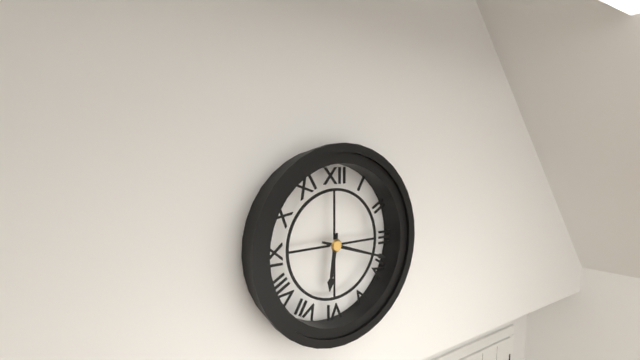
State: 6:18
